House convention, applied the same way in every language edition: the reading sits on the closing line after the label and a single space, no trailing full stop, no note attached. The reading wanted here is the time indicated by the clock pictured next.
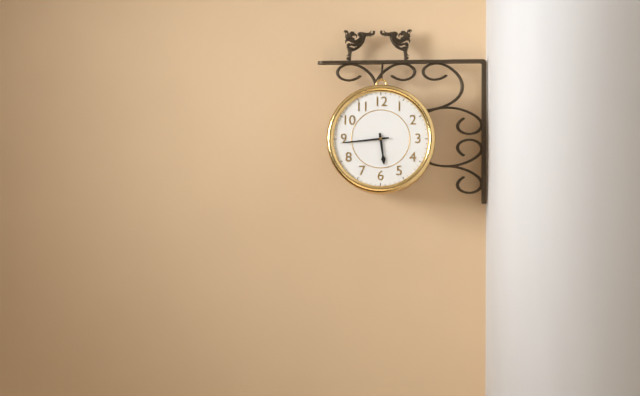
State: 5:44
